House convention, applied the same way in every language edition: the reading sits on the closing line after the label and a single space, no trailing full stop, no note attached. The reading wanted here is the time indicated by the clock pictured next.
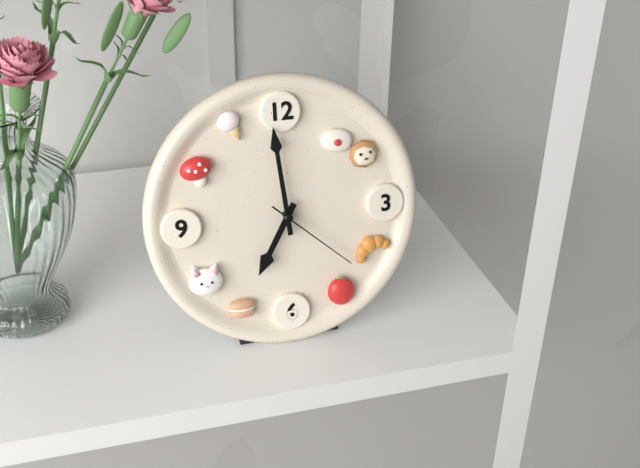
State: 6:59:22
